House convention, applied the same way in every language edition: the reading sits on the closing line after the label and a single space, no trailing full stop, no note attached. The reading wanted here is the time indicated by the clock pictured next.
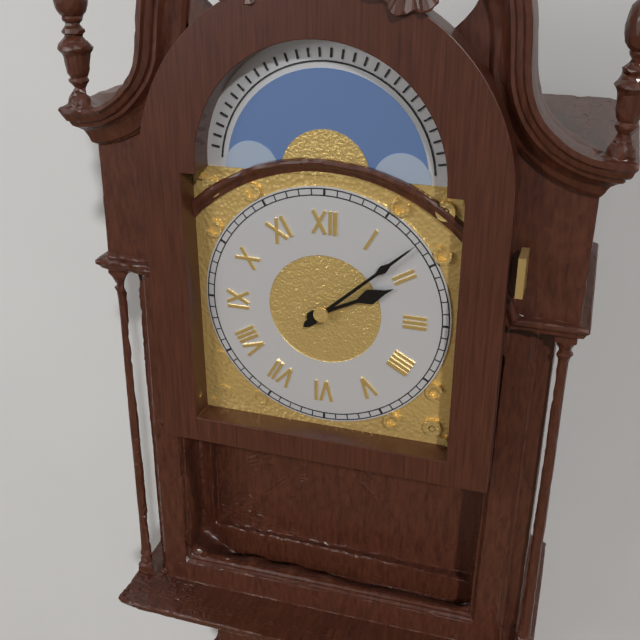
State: 2:08
